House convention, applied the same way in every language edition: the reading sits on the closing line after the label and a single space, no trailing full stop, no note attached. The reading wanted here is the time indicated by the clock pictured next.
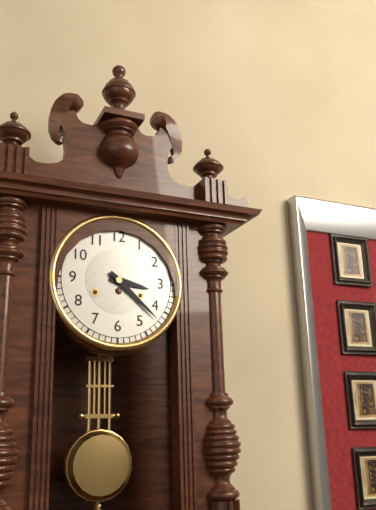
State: 3:22
